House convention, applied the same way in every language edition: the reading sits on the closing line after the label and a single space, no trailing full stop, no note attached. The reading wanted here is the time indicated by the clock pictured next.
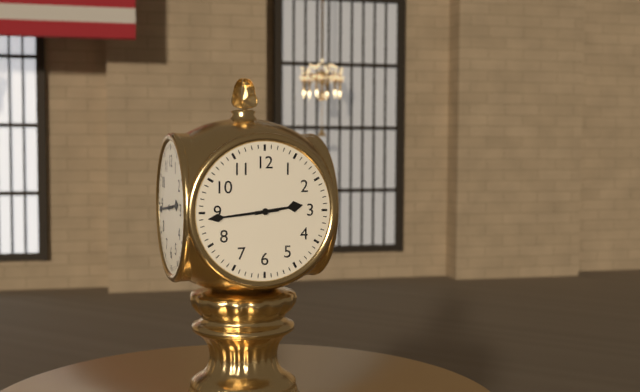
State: 2:44
